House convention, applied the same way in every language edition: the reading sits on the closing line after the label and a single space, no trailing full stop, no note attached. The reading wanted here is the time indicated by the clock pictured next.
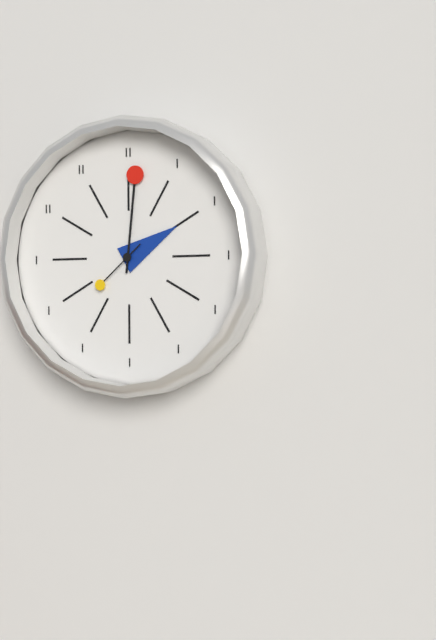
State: 2:01:38
